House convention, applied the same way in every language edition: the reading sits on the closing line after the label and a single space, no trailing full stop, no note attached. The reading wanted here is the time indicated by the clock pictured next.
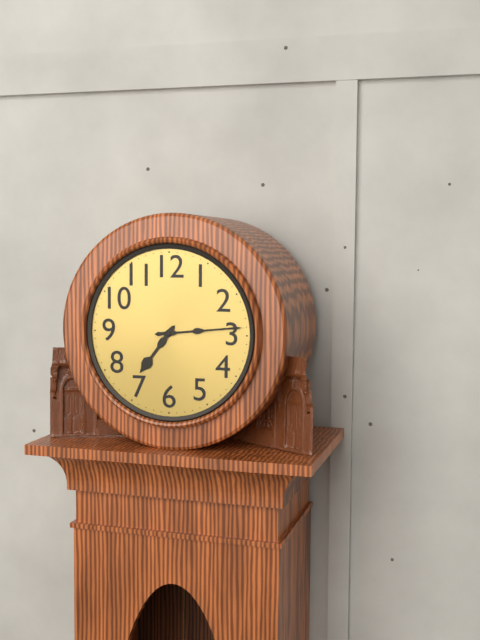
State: 7:14
